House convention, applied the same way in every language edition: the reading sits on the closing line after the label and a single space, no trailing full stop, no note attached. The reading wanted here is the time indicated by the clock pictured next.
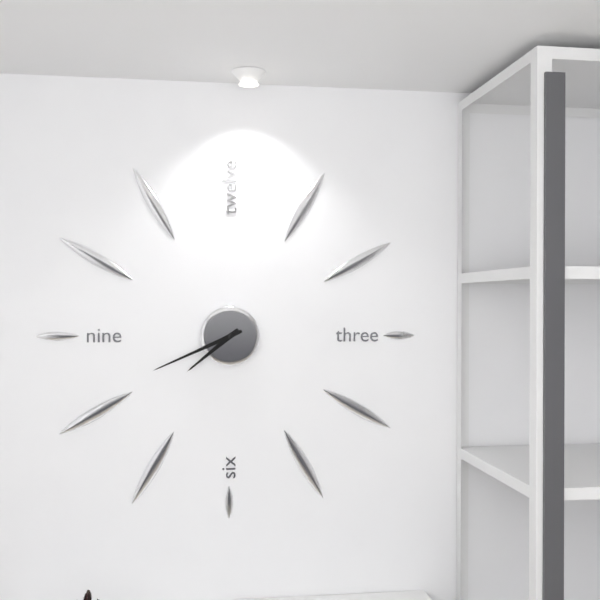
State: 7:41
